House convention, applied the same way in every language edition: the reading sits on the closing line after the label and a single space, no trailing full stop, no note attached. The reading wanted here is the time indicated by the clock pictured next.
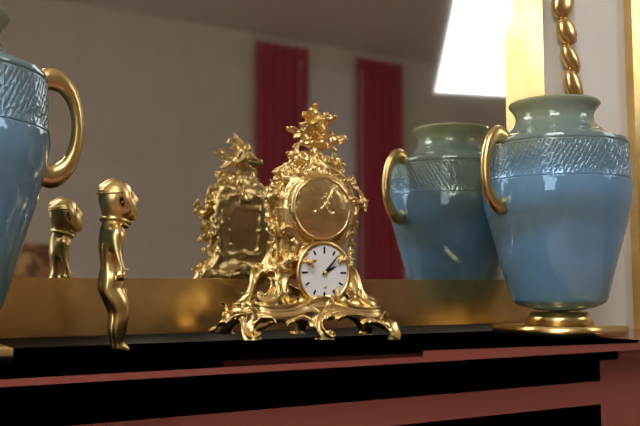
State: 2:07
